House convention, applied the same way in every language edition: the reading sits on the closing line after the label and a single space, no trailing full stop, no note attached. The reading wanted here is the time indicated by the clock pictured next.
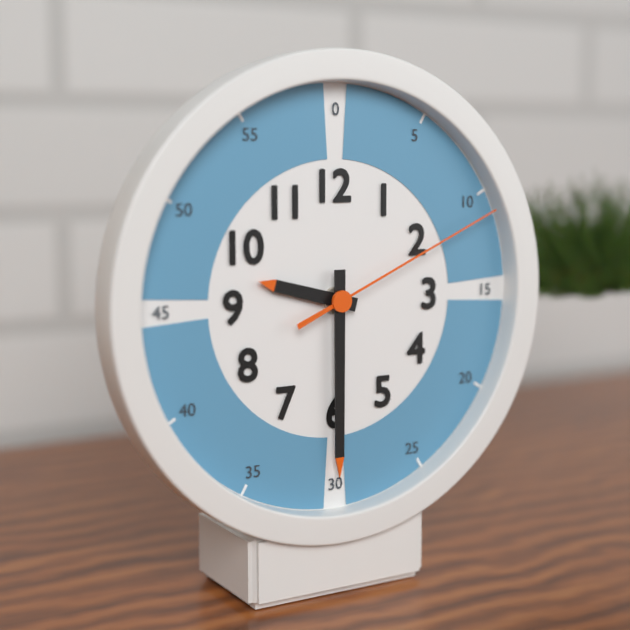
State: 9:30:11
